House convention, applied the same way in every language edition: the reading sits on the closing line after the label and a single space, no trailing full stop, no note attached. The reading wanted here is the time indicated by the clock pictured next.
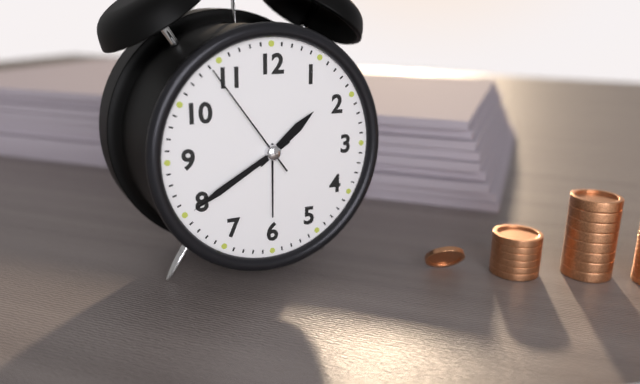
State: 1:40:54
